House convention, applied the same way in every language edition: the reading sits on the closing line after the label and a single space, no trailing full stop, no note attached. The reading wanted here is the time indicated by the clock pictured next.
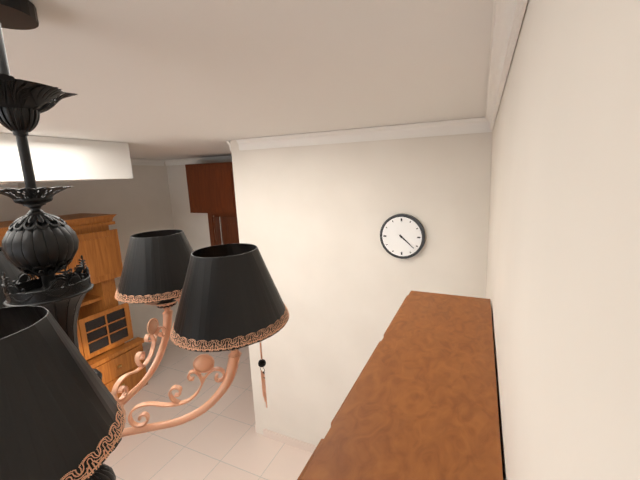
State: 4:22
